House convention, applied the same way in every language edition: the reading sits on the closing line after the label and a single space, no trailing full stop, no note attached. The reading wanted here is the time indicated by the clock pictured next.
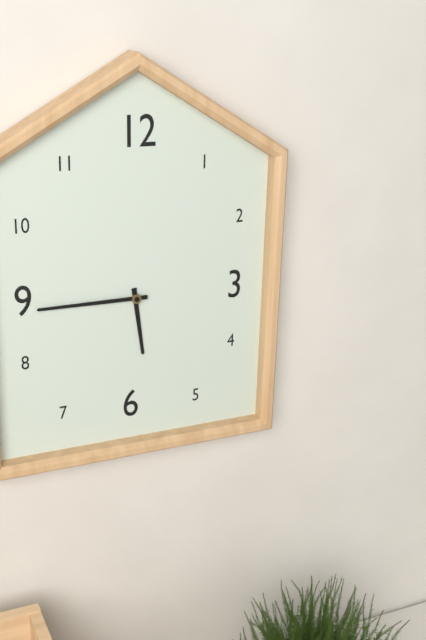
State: 5:45
